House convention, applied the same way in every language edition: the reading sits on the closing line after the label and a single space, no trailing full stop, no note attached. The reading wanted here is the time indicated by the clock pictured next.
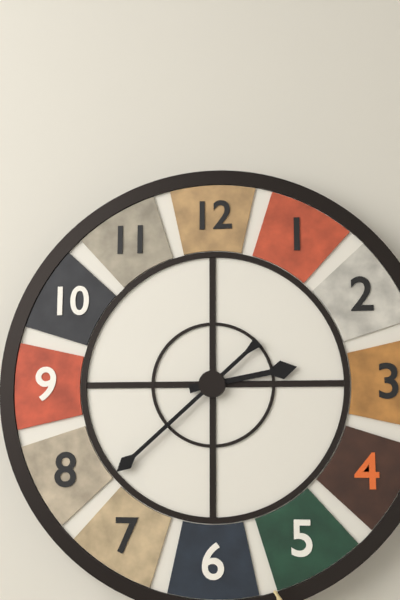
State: 2:38
